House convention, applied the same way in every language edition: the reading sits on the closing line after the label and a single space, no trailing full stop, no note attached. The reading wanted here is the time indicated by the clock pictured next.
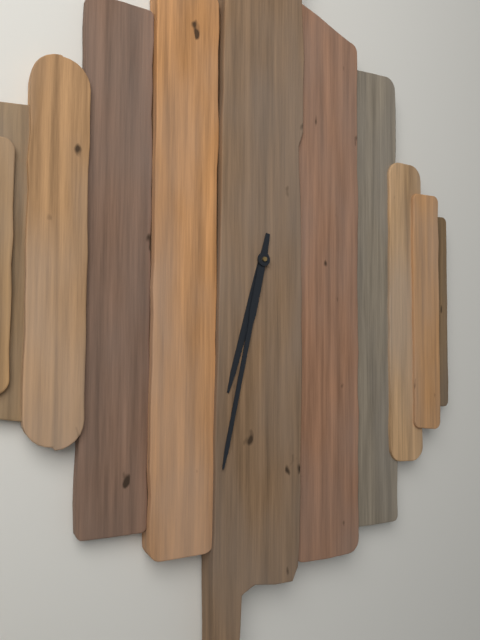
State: 6:32
